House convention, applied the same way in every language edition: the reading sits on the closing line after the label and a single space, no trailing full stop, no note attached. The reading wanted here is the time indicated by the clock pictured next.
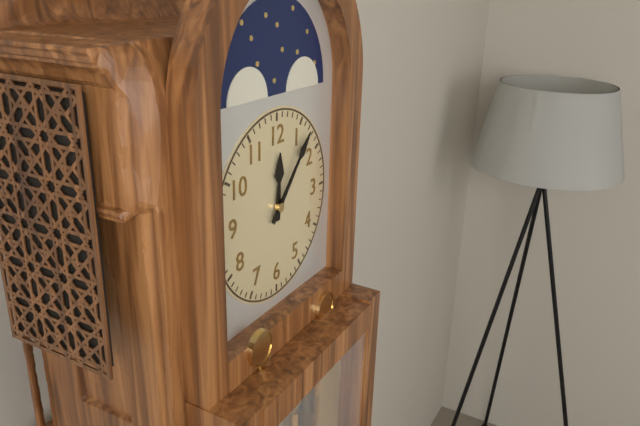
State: 12:07
